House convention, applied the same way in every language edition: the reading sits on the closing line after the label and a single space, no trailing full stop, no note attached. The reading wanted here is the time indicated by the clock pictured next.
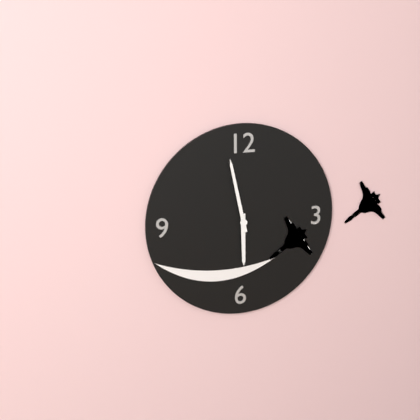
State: 5:58
